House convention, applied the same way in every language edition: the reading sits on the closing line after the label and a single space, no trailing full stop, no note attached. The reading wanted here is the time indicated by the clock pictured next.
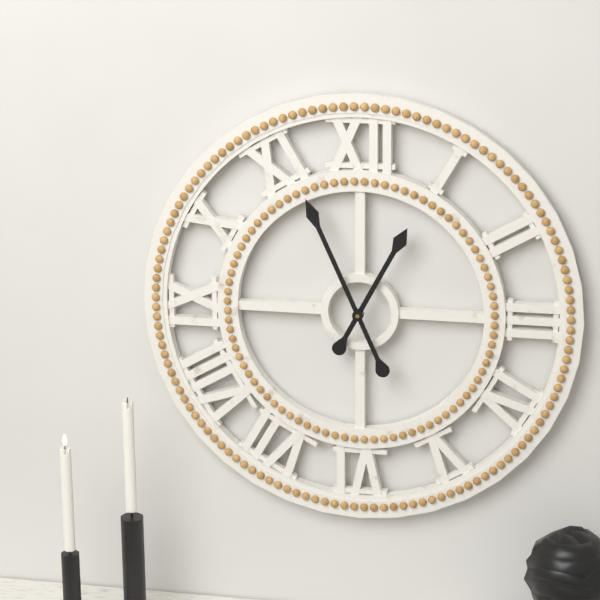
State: 12:56
